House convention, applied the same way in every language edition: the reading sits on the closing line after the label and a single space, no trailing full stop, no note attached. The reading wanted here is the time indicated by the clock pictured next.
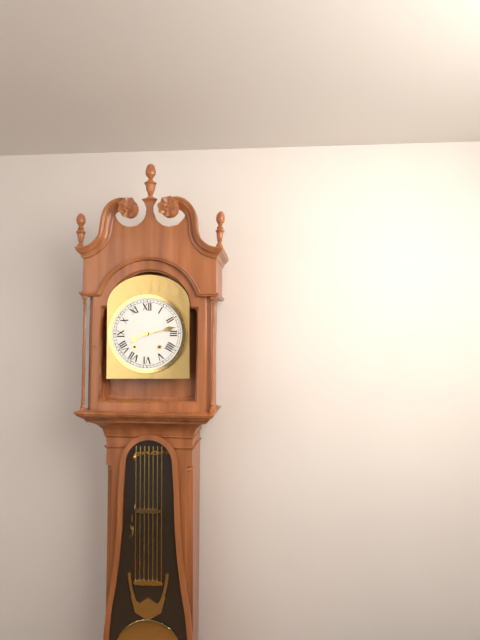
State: 8:13
